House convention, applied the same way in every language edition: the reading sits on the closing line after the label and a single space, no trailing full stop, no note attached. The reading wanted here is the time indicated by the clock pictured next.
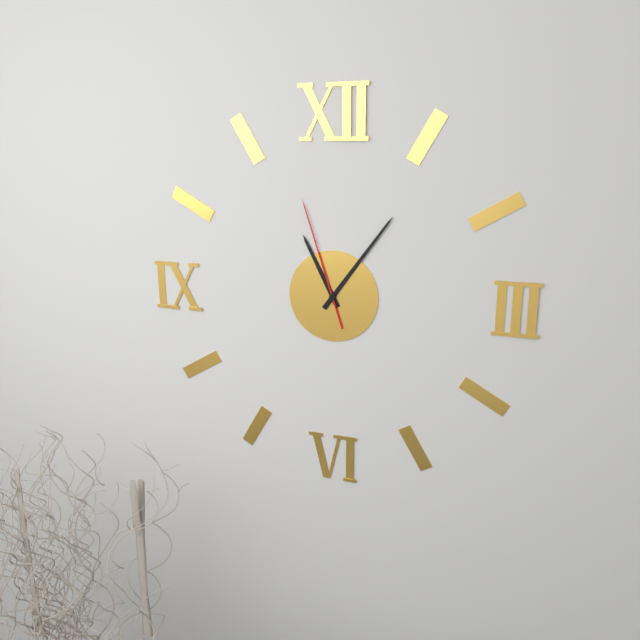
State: 11:06:57
